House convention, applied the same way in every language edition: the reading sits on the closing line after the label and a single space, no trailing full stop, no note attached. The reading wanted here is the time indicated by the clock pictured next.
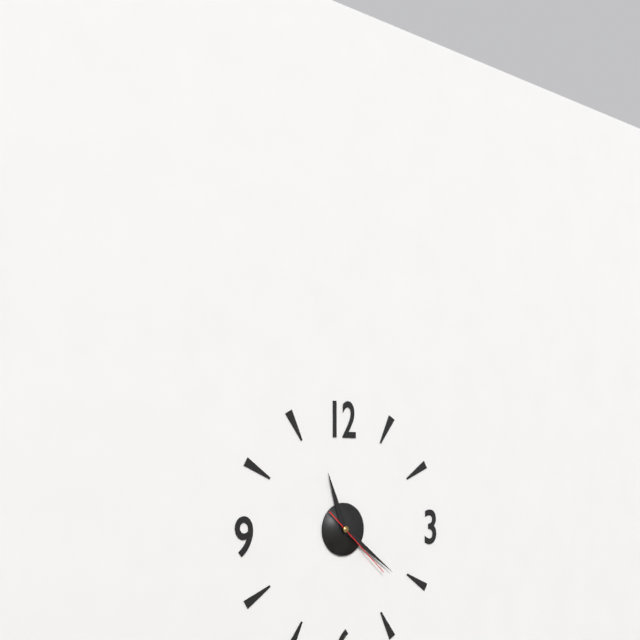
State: 11:21:22
